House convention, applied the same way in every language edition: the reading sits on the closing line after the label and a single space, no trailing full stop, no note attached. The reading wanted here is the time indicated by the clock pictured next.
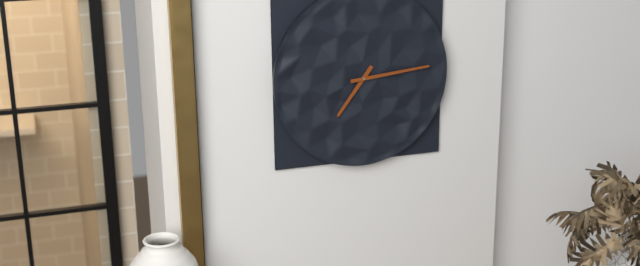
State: 7:14
